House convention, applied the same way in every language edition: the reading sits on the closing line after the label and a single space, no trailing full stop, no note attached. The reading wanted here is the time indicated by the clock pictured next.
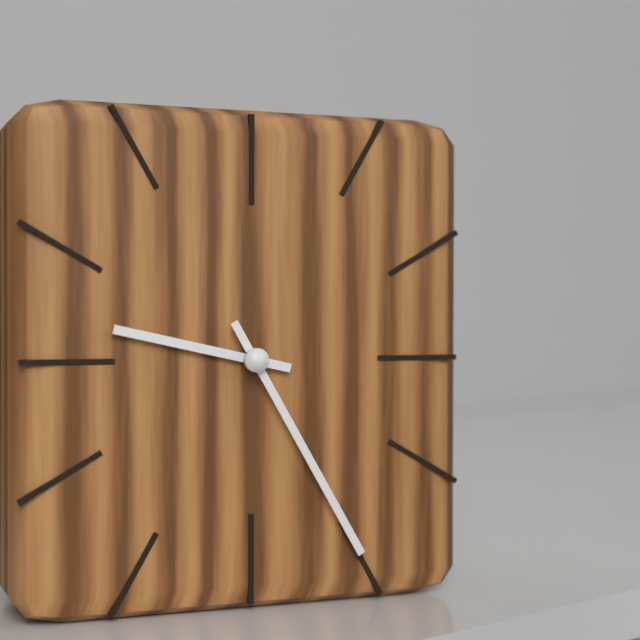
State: 9:25
